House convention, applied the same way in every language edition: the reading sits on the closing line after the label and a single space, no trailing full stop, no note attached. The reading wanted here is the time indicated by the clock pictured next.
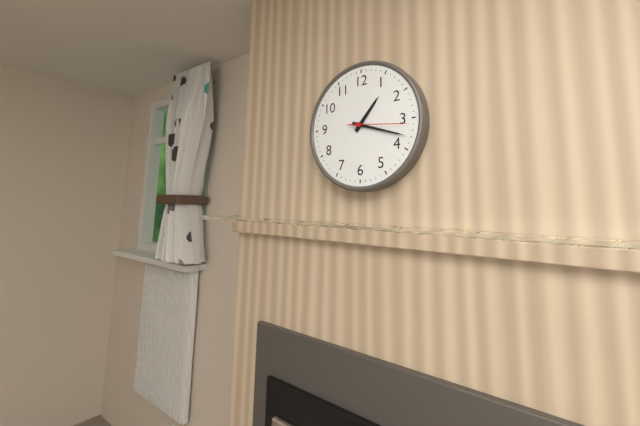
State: 1:18:16
